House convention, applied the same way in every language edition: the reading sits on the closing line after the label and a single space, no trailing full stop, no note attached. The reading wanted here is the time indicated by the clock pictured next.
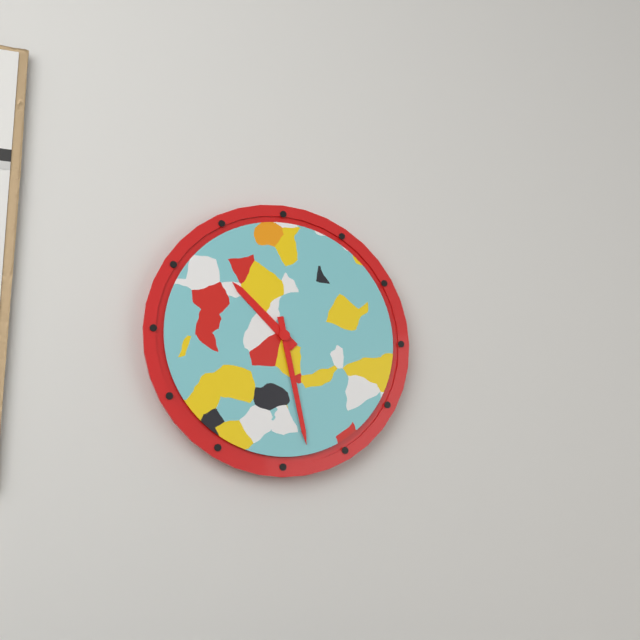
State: 10:28
